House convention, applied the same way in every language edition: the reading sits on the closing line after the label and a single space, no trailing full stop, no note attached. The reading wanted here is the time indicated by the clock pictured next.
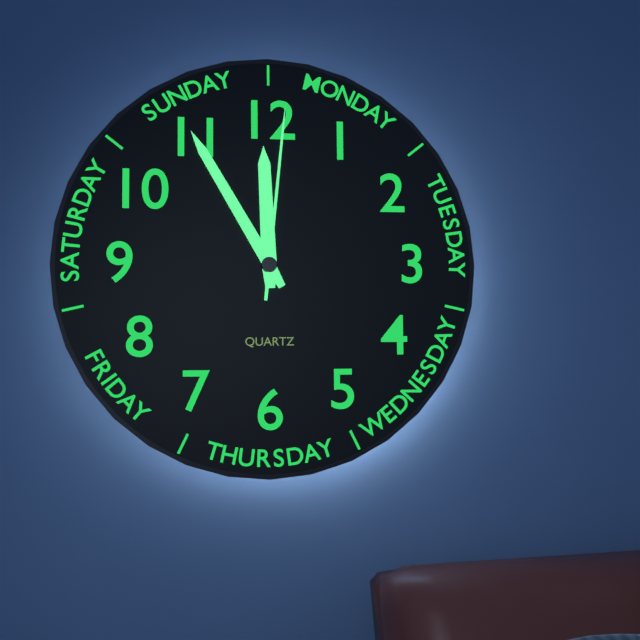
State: 11:55:01
